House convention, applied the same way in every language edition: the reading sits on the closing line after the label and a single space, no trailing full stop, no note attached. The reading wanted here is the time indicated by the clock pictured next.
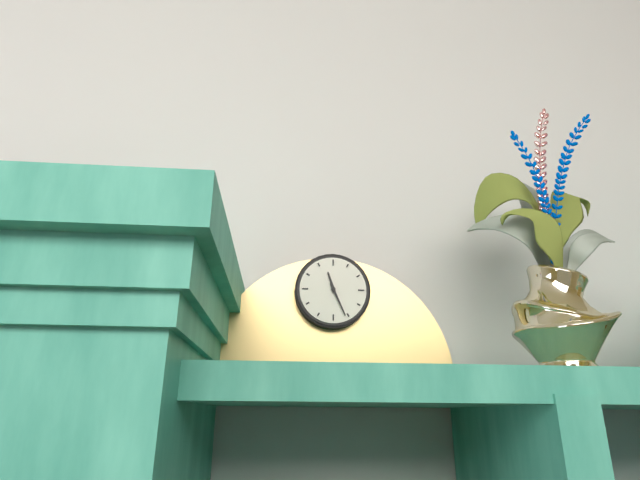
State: 11:26
